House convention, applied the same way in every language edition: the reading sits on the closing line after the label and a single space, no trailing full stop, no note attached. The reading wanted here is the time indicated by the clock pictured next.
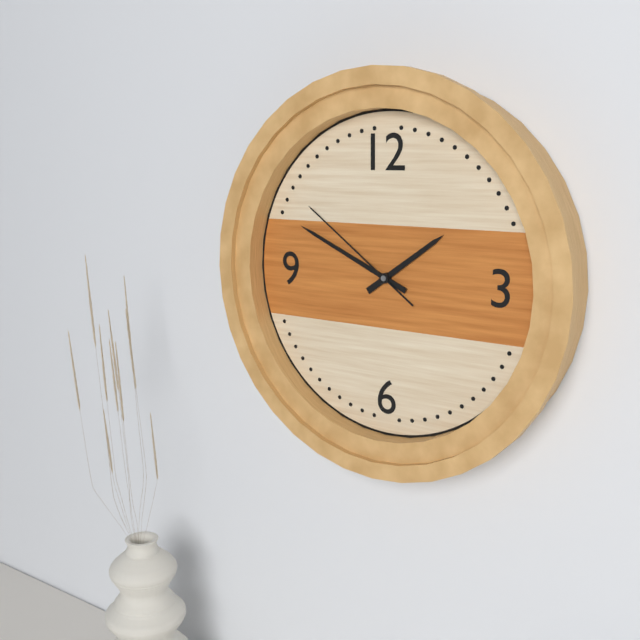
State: 1:49:51
